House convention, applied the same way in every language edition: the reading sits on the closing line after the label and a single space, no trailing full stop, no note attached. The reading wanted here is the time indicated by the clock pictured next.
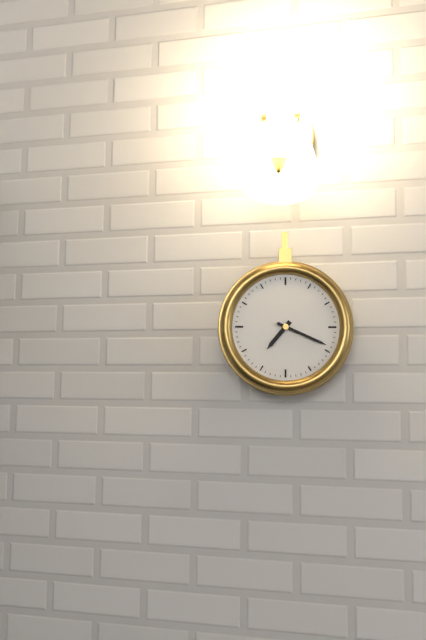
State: 7:19
